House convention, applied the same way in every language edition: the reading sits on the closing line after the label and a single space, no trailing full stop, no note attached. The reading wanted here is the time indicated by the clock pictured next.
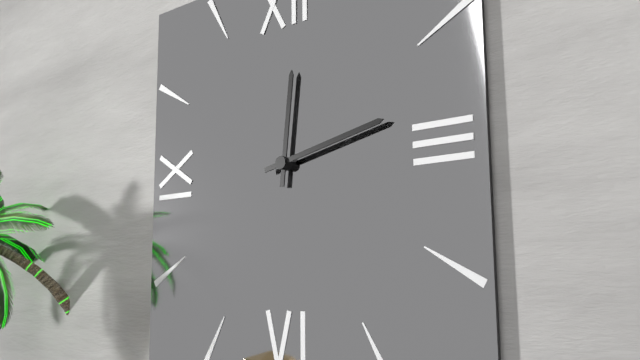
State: 12:13
